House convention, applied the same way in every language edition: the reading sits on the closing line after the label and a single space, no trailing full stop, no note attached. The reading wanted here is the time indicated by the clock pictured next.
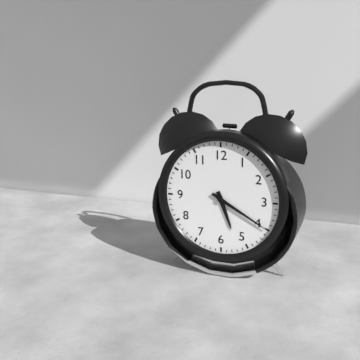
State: 5:20
